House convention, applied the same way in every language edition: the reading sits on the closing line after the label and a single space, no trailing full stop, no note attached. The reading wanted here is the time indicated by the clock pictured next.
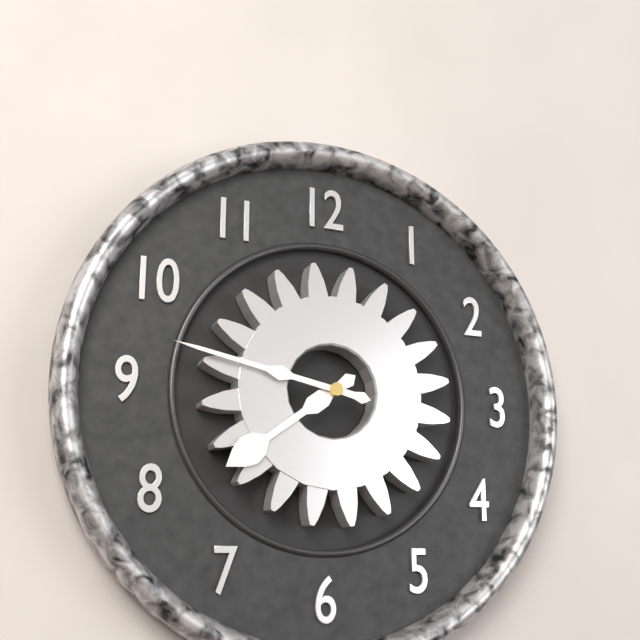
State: 7:47
